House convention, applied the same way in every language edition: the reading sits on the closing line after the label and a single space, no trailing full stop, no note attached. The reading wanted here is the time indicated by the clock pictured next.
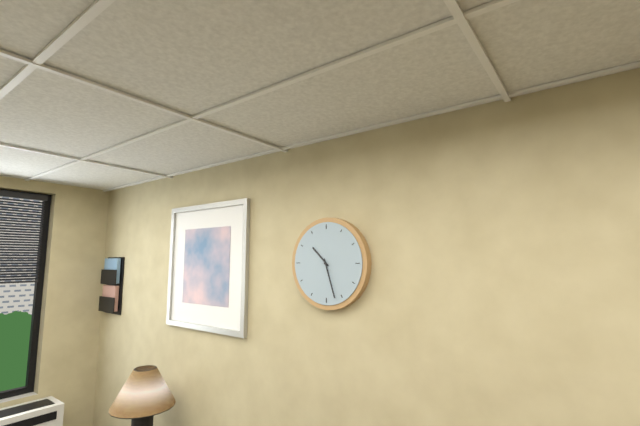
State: 10:27
